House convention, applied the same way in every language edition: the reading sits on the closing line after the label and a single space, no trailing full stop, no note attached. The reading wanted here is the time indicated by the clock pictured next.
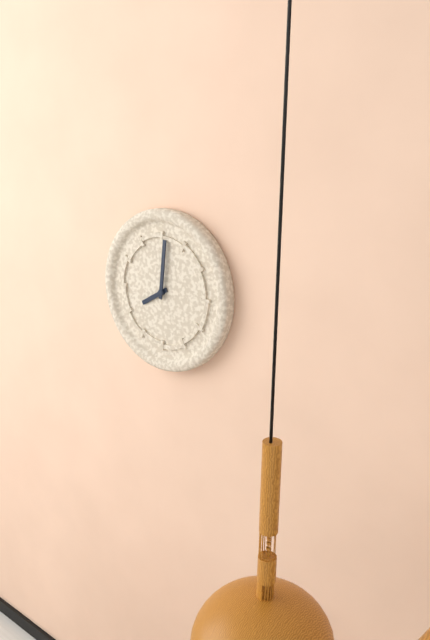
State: 8:01
